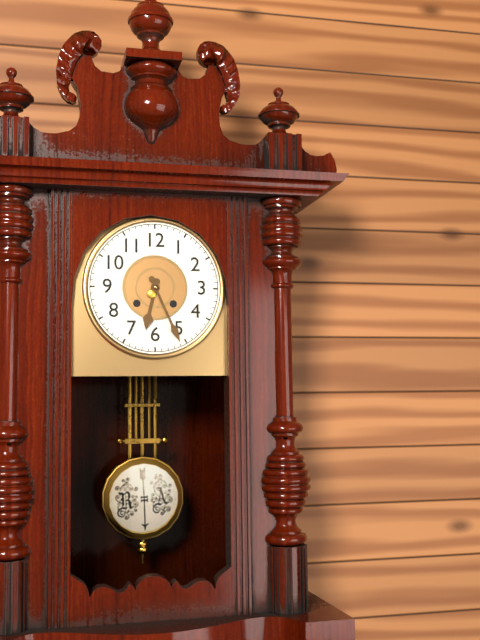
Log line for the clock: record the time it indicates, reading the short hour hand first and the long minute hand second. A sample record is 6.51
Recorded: 6.26
